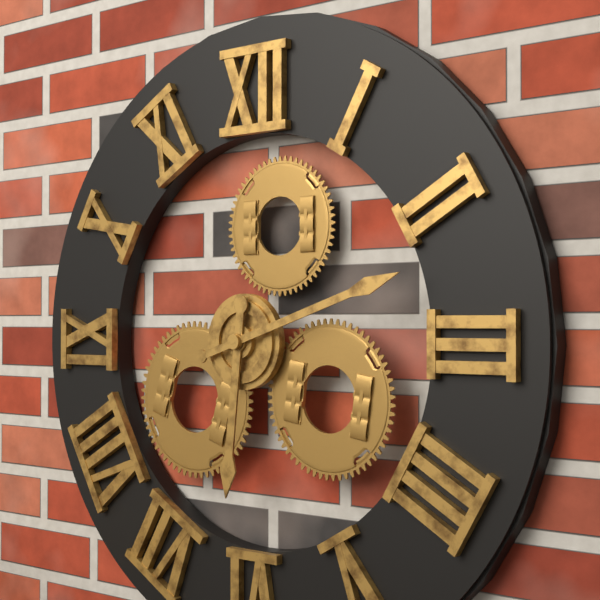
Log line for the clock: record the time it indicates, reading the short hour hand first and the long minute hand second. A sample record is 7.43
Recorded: 6.12
